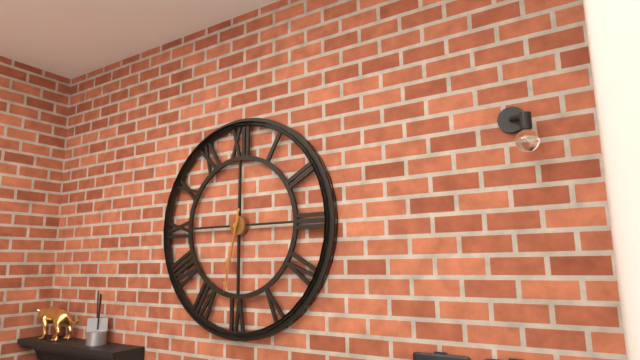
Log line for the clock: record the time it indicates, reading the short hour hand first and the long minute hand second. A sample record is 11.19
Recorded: 6.32
